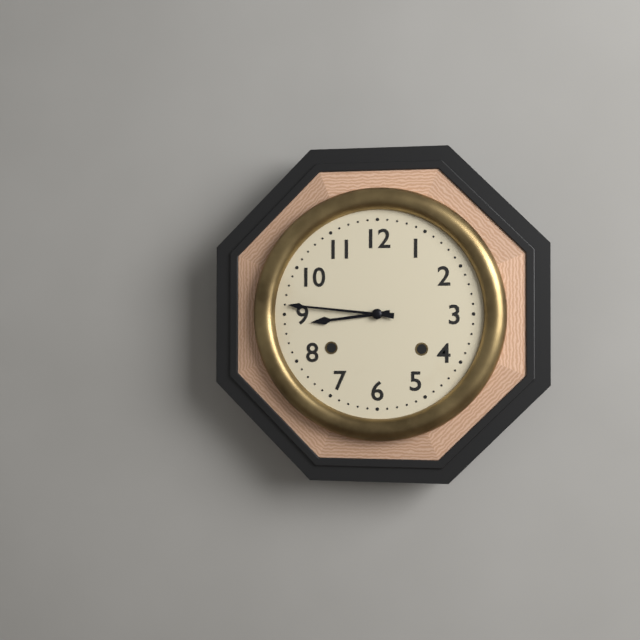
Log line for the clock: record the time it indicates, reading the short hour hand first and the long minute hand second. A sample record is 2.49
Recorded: 8.46
